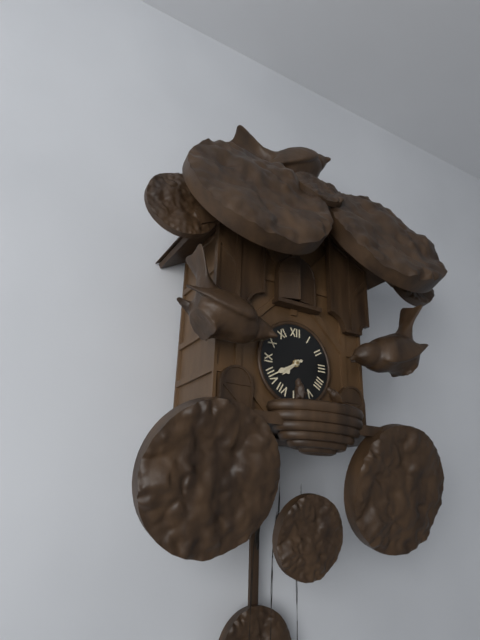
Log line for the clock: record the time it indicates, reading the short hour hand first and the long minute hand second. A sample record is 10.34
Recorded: 7.40
